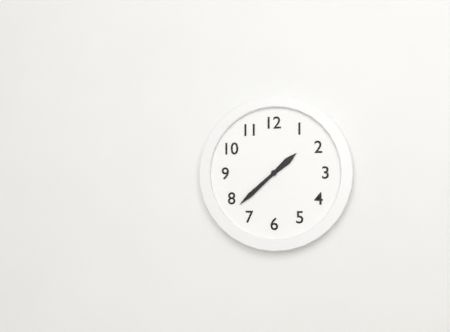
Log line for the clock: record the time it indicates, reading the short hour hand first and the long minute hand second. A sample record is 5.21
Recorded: 1.38
